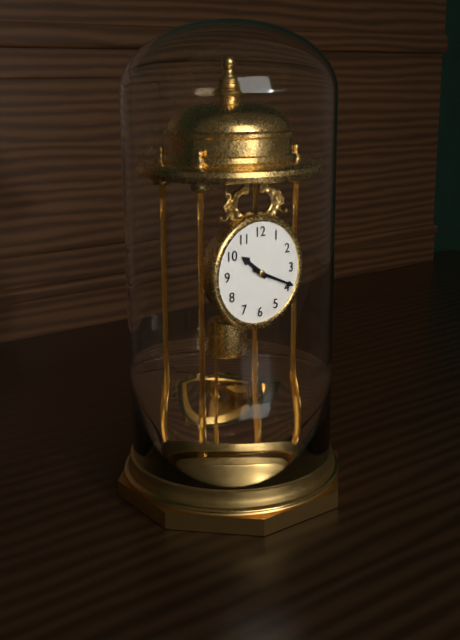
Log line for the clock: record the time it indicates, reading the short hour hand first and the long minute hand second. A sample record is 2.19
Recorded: 10.19
